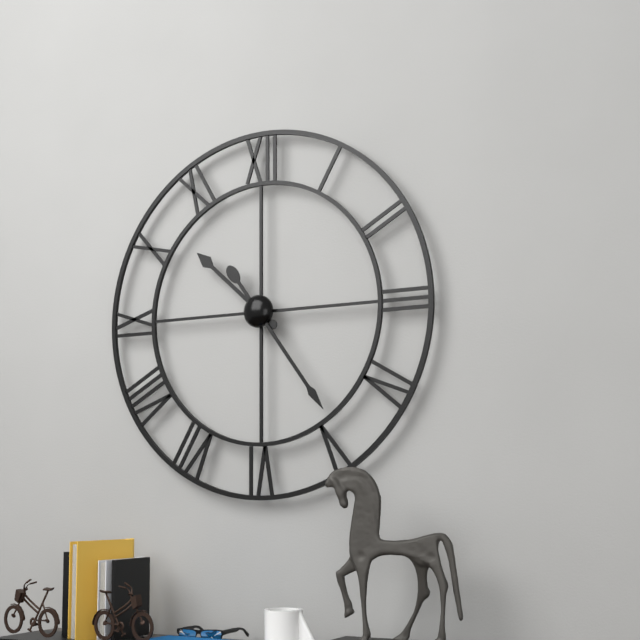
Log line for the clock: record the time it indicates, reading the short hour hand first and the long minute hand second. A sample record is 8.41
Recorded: 10.24
